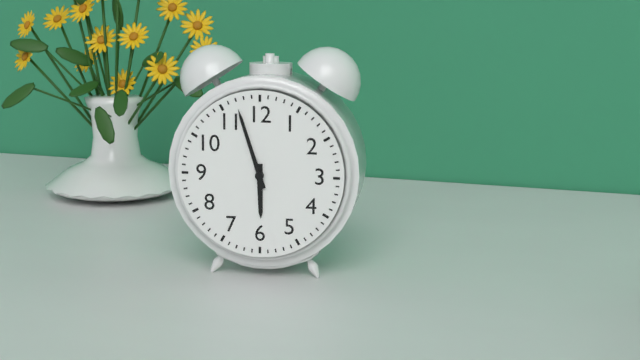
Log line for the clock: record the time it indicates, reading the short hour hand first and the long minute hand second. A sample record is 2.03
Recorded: 5.57
